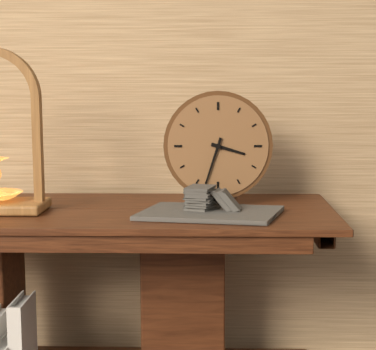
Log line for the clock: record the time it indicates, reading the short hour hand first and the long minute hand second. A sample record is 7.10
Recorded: 3.33
